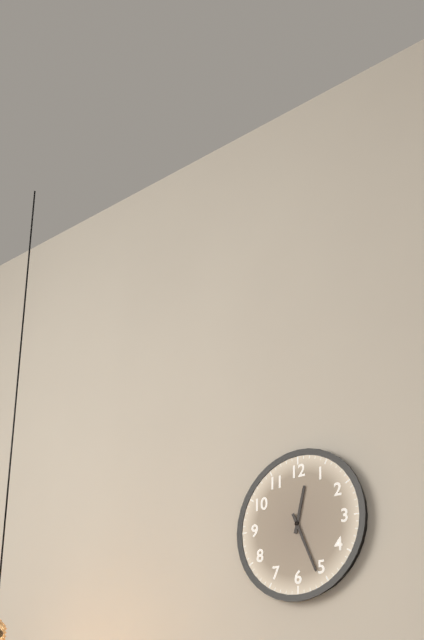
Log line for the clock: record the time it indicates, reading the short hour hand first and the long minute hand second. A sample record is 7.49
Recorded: 12.26
